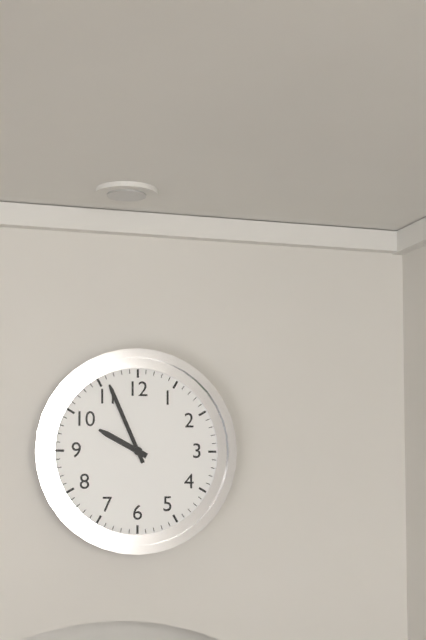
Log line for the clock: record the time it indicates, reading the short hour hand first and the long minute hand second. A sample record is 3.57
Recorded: 9.56
